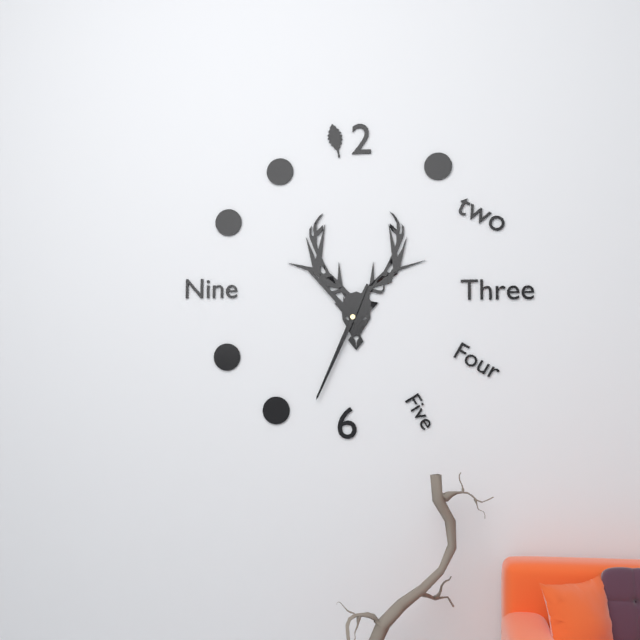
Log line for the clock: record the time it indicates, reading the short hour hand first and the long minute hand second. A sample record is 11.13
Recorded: 10.34
